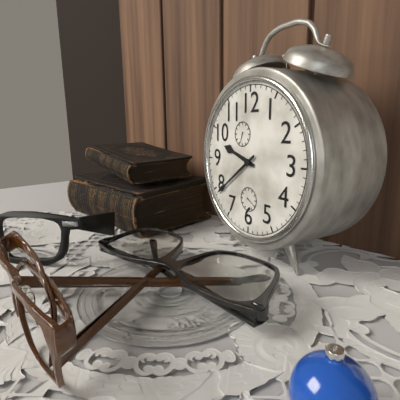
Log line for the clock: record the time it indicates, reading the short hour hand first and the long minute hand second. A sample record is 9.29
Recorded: 9.39
